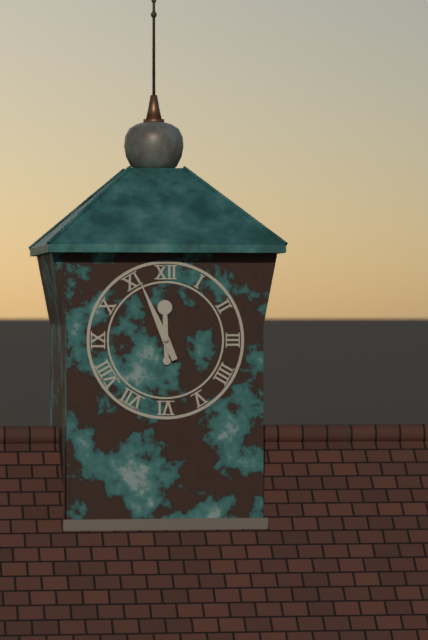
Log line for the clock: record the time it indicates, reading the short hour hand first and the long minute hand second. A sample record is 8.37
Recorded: 11.56
